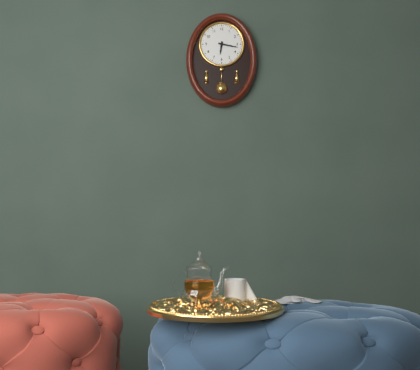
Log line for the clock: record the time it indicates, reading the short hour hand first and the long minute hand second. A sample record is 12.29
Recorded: 6.17
